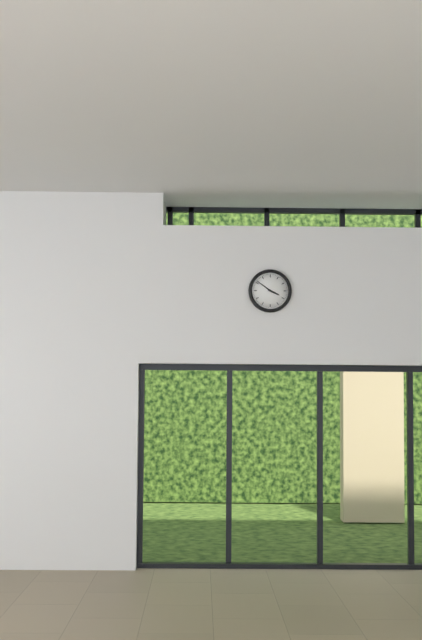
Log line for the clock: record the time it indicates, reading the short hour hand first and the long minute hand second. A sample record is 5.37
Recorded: 3.51
